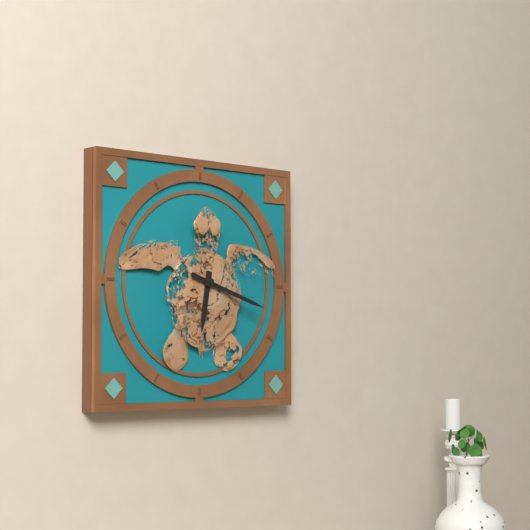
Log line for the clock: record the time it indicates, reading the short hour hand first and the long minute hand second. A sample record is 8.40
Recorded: 6.18
